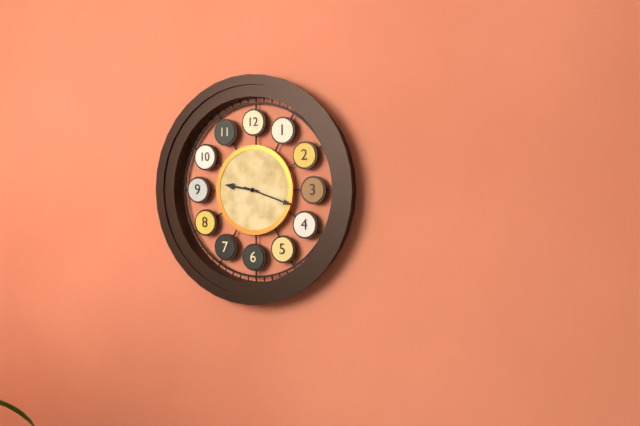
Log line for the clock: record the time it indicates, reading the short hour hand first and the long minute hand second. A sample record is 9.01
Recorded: 9.18
